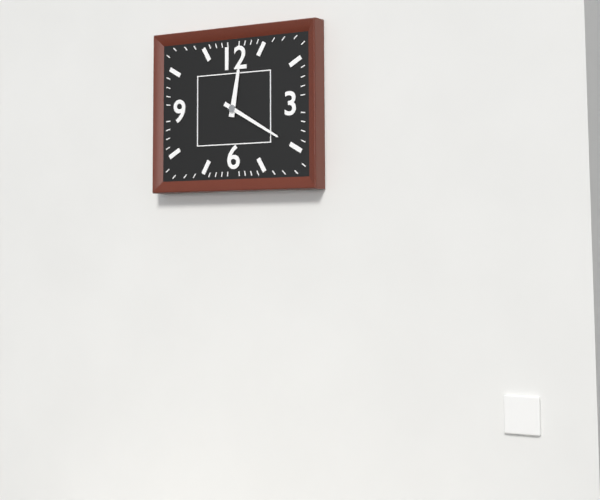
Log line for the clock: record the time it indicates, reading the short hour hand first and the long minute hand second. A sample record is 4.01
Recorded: 12.20
